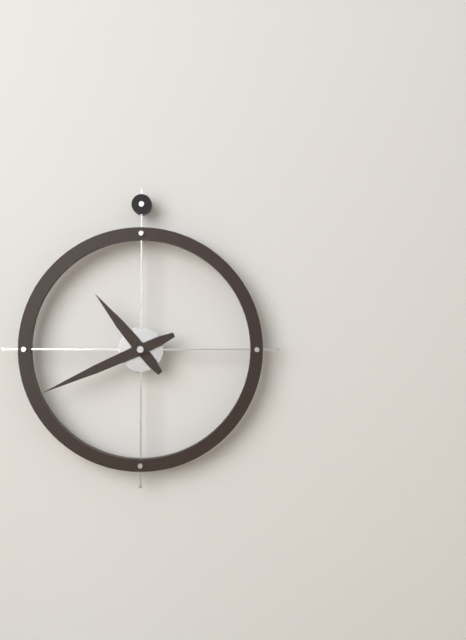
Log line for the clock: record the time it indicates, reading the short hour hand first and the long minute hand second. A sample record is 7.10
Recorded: 10.41
